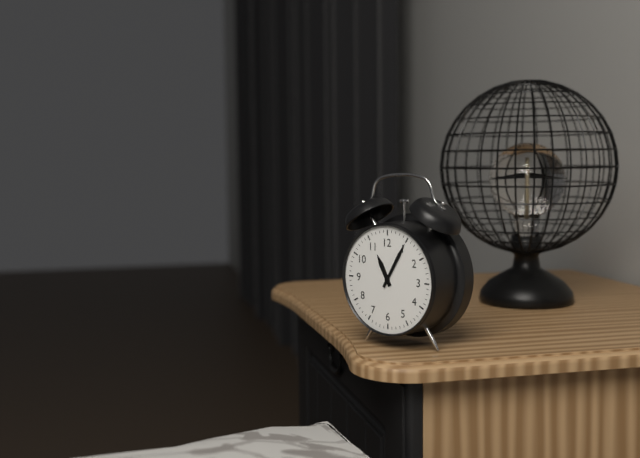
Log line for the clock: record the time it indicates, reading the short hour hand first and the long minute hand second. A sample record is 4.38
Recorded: 11.05
